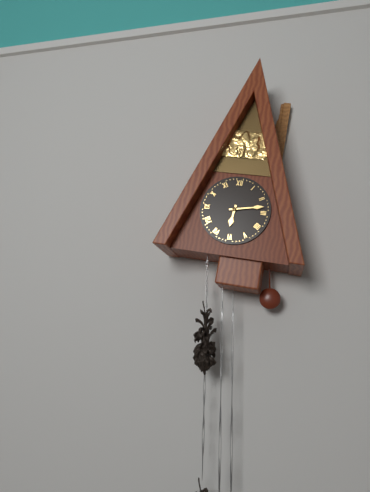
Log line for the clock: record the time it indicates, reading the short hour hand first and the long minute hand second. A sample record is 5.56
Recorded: 6.13
